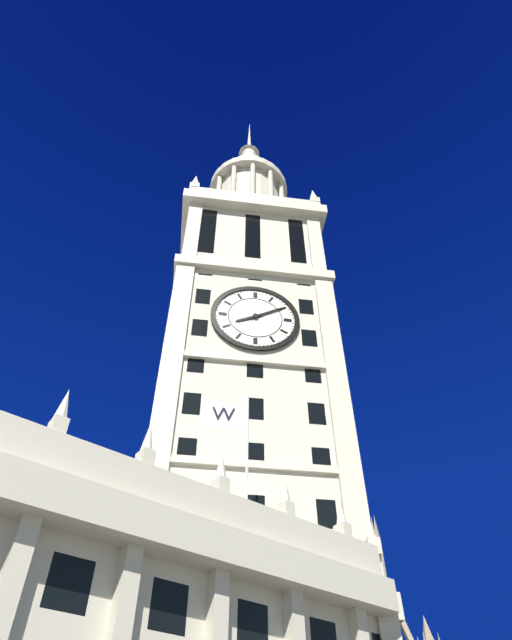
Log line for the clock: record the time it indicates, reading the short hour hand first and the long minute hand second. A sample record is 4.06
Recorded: 8.10
